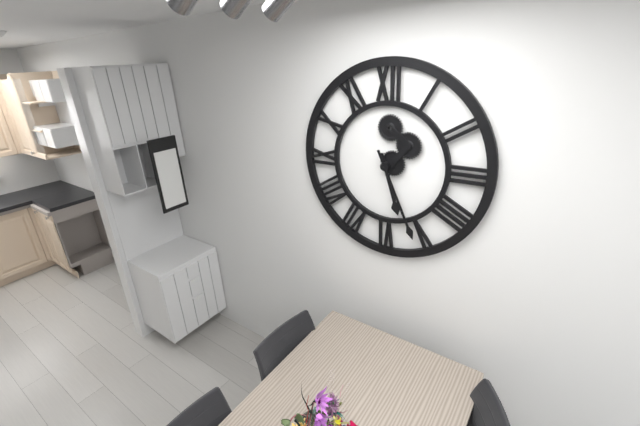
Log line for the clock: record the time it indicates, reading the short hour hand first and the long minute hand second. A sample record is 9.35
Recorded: 5.26
